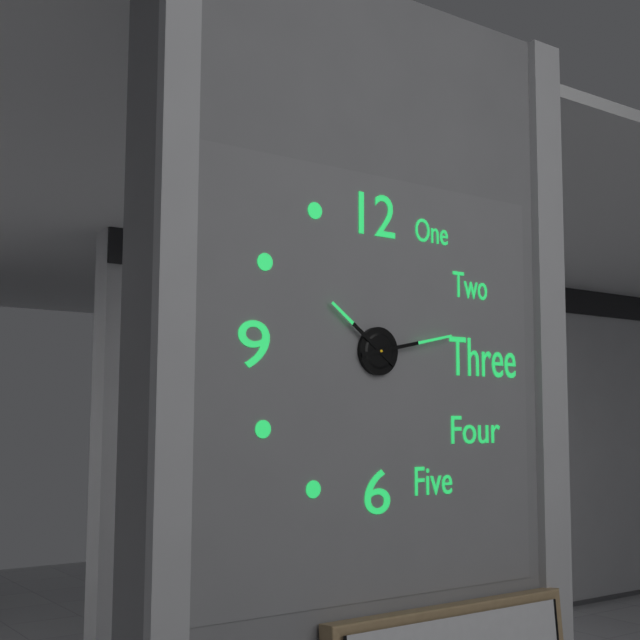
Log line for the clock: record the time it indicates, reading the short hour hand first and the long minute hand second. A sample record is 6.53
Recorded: 10.13
